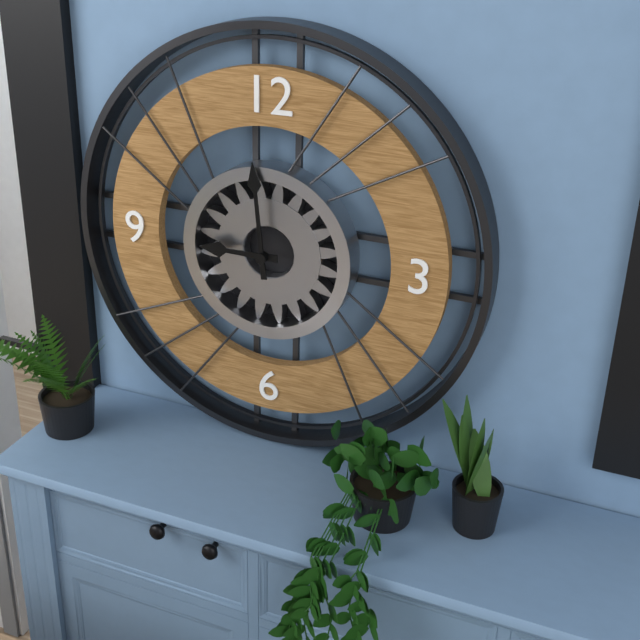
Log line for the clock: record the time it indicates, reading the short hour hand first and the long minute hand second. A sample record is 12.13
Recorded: 8.59
